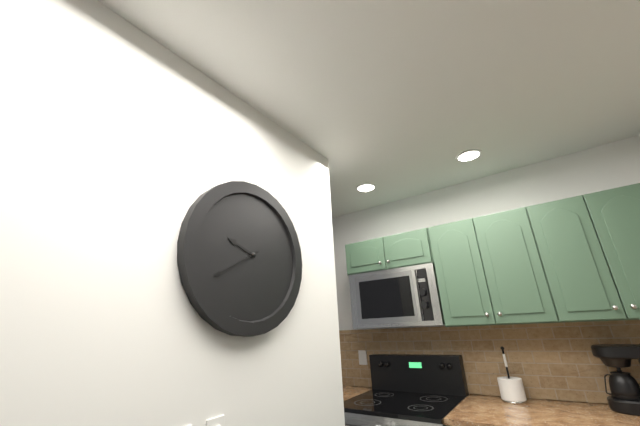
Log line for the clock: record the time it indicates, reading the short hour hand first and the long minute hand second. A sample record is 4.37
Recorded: 9.40
